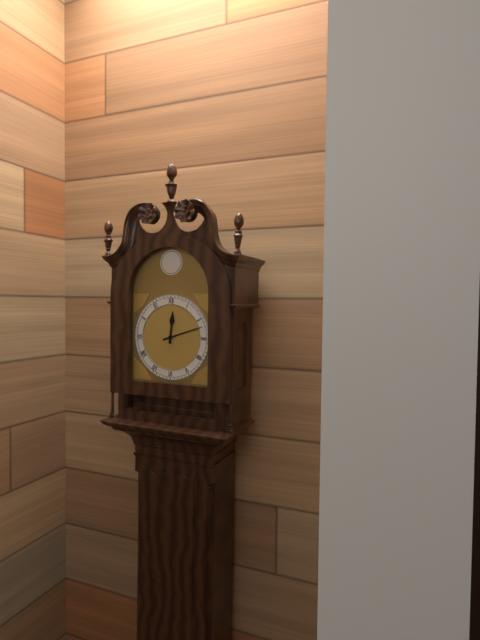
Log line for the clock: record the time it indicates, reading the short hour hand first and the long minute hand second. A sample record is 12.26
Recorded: 12.12
